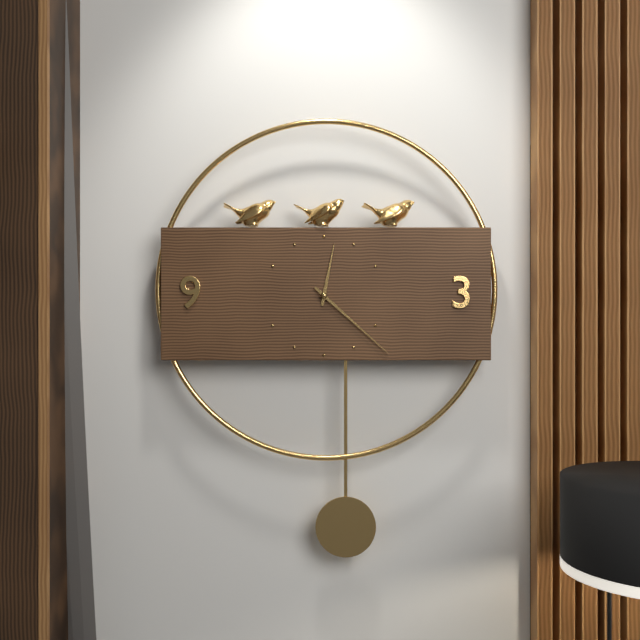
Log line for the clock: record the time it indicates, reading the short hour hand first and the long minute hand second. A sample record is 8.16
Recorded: 12.22
